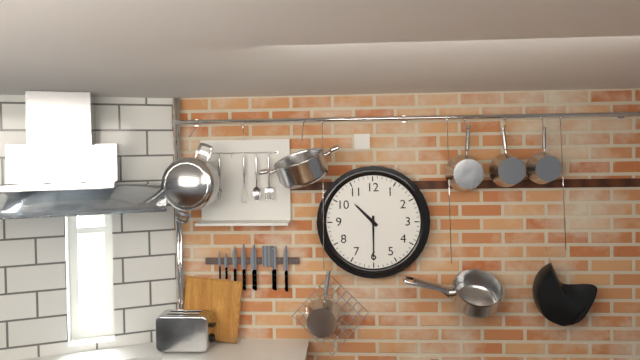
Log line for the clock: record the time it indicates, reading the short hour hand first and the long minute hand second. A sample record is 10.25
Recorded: 10.30
